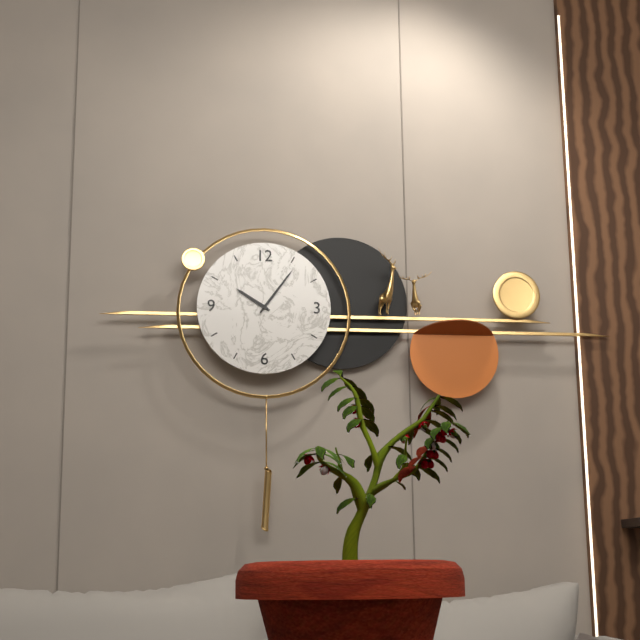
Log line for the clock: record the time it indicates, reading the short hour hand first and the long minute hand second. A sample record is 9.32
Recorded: 10.06
